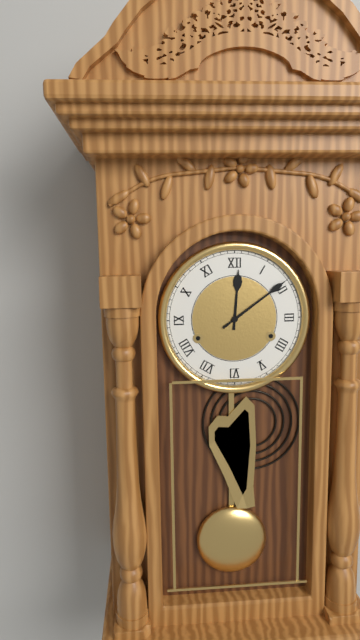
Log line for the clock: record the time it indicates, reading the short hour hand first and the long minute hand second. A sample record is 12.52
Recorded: 12.09
